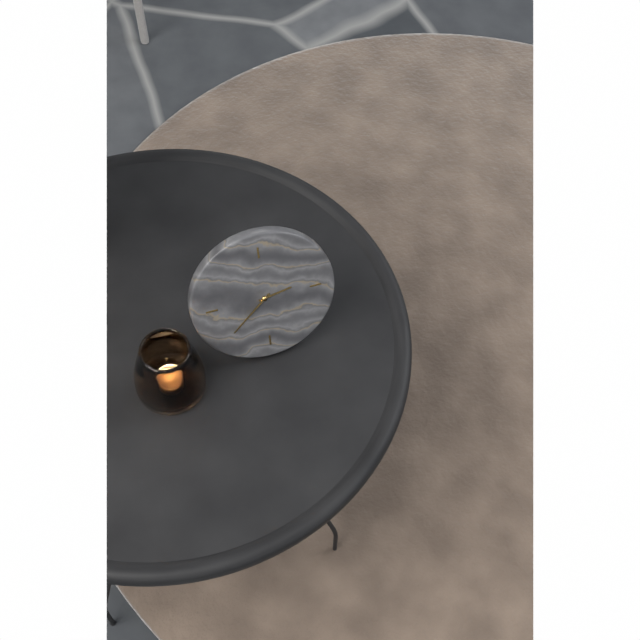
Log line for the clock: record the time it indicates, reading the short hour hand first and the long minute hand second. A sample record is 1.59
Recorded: 2.38
